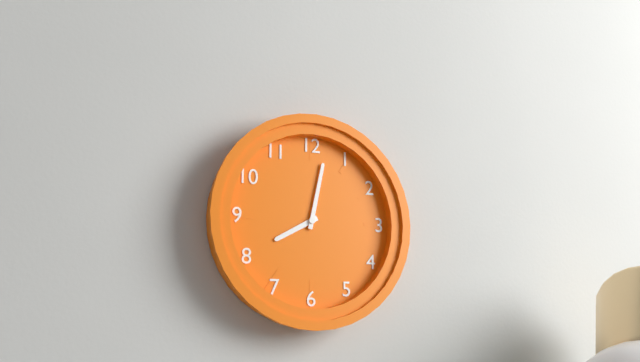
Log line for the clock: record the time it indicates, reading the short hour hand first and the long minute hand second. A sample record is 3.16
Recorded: 8.02
